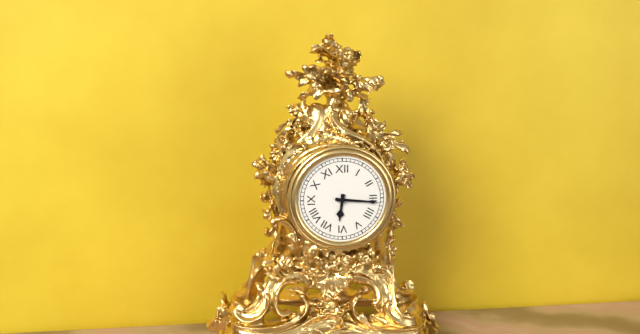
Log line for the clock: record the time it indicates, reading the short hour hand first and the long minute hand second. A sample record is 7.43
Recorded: 6.16
